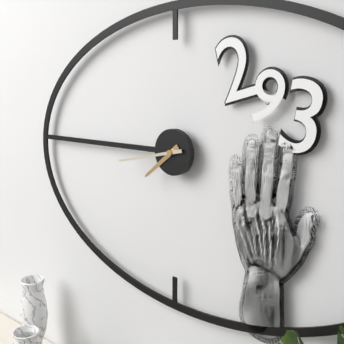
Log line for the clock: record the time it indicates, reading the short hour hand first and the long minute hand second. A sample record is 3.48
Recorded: 7.43
